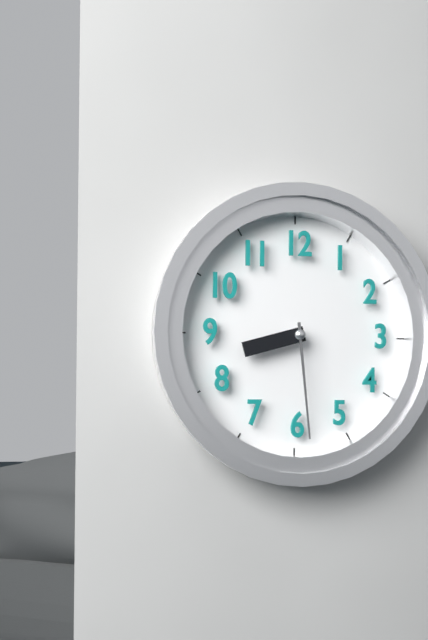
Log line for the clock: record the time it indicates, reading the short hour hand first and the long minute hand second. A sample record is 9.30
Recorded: 8.29
